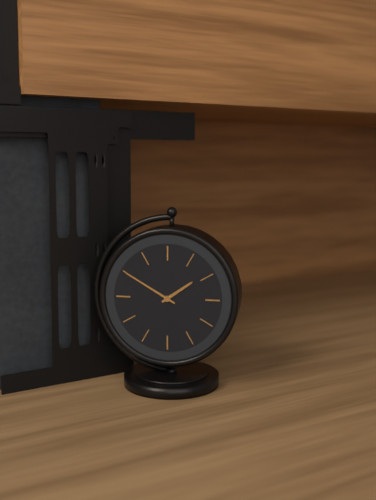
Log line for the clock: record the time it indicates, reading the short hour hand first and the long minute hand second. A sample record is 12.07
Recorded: 1.50
